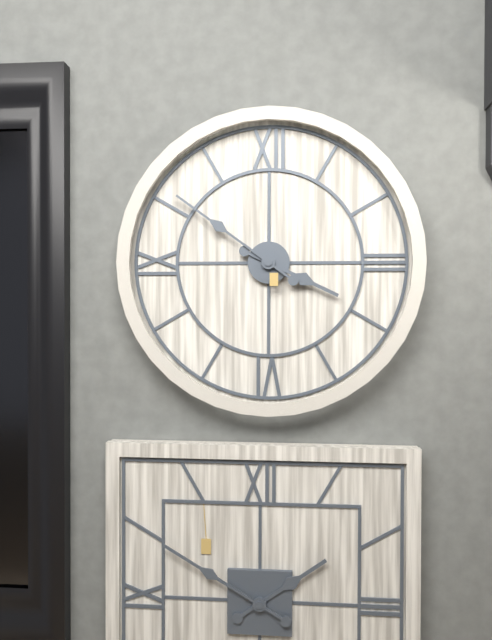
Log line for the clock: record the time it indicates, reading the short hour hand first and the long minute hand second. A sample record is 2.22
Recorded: 3.51
